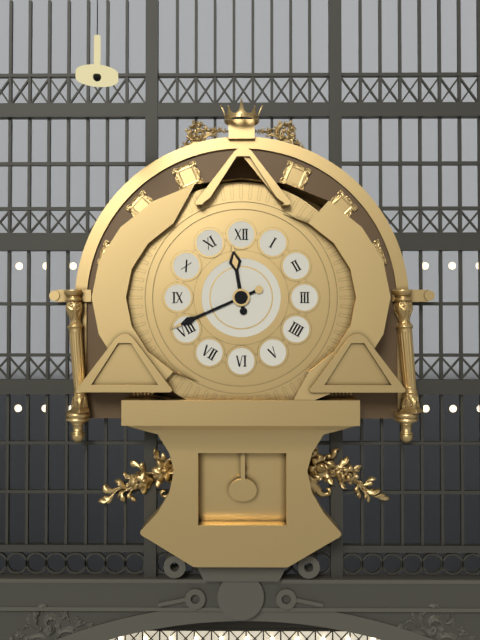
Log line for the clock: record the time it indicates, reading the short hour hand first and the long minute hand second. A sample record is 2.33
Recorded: 11.41
